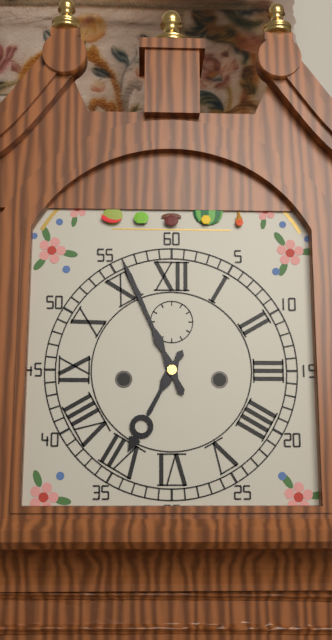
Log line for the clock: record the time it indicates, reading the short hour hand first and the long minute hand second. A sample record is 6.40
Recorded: 6.56
